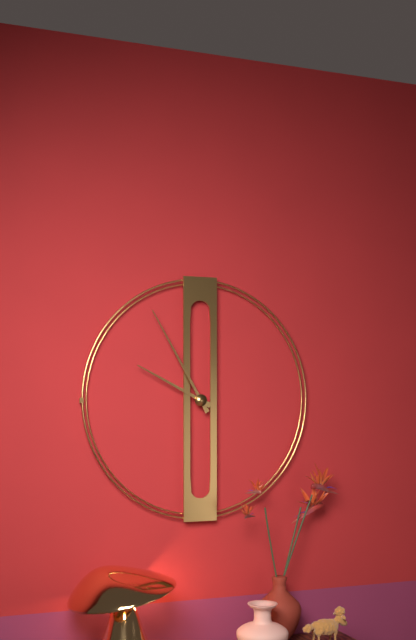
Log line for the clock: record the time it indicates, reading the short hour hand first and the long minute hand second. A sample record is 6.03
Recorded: 9.55
